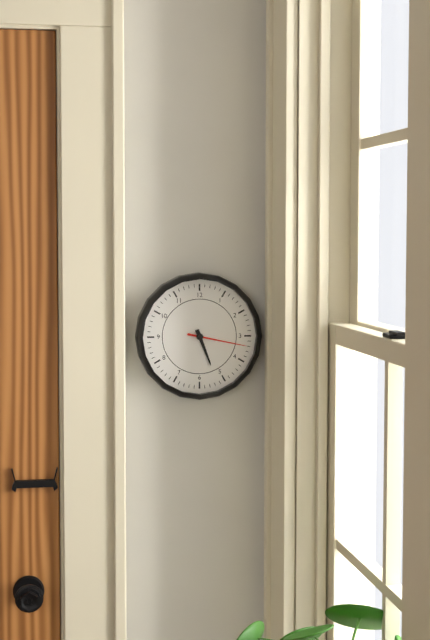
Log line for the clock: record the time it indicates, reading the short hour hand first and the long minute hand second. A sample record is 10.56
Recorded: 5.17
